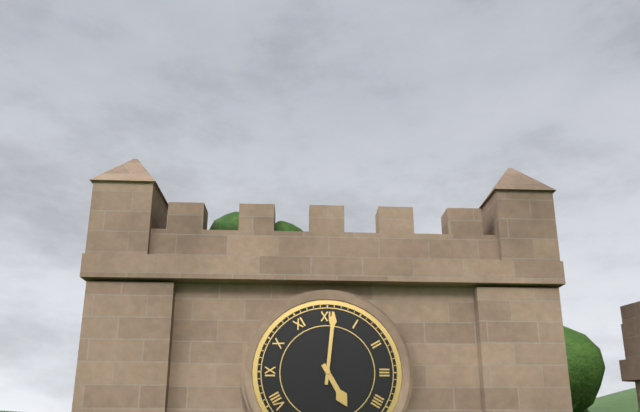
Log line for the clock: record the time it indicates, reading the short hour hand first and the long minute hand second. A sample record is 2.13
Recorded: 5.01
